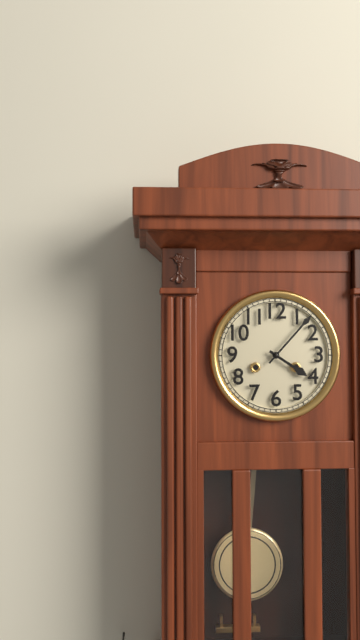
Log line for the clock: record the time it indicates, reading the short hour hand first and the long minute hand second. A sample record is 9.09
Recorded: 4.07
